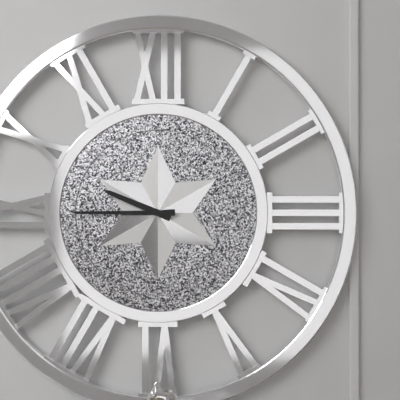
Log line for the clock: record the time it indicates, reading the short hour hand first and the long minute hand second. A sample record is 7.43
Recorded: 9.45
